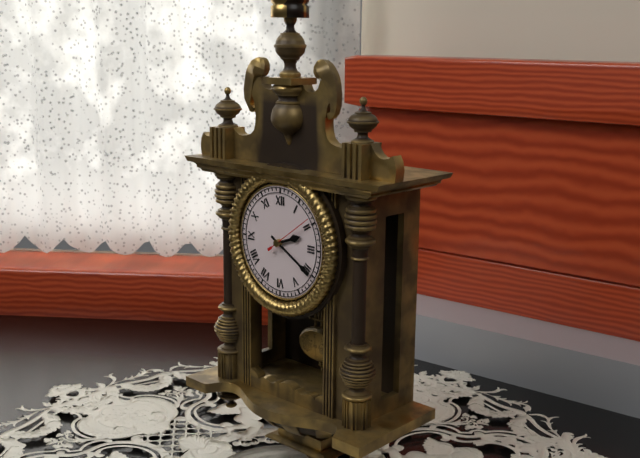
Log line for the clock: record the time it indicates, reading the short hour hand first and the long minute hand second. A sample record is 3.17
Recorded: 2.20
